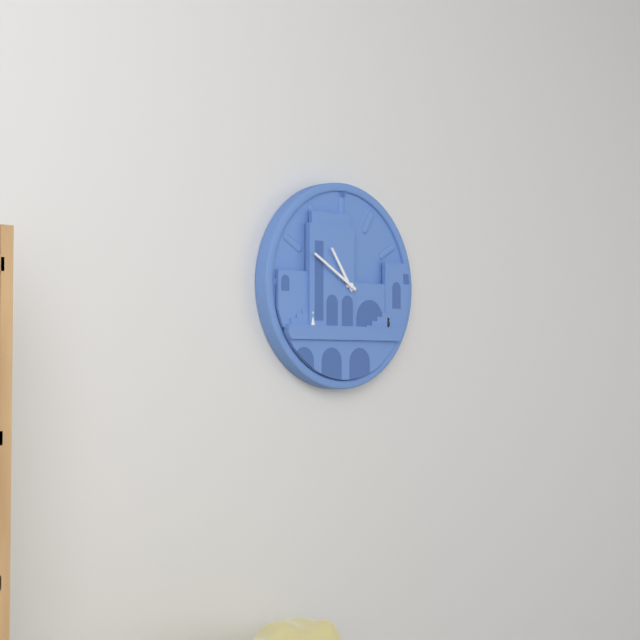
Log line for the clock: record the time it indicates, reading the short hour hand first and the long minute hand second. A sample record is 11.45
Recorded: 10.50
